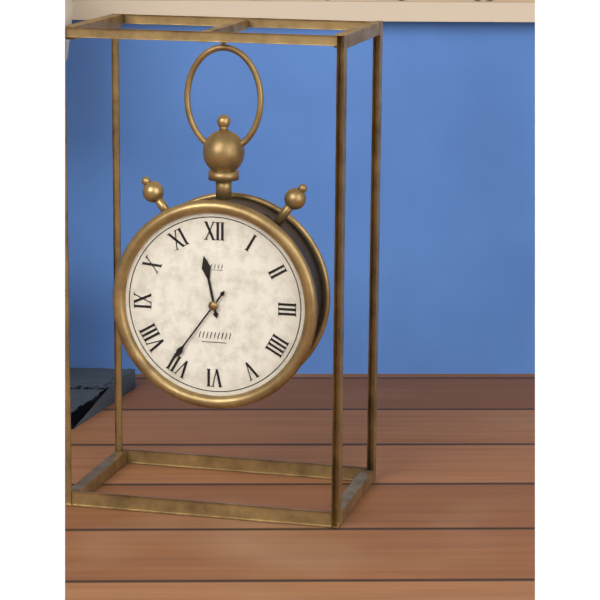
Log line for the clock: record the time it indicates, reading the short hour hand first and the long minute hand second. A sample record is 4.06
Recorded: 11.36
